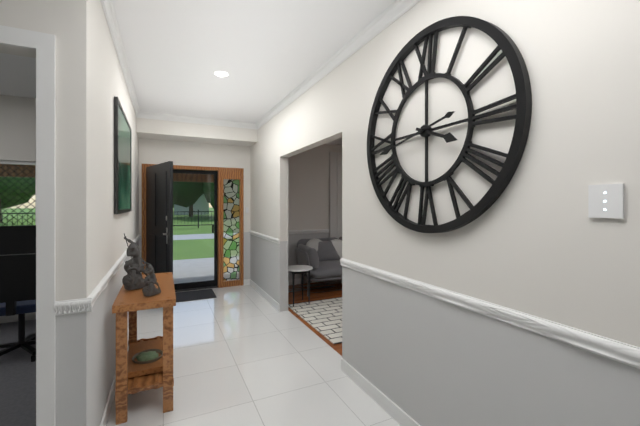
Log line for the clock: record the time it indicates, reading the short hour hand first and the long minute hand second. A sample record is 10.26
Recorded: 3.43
